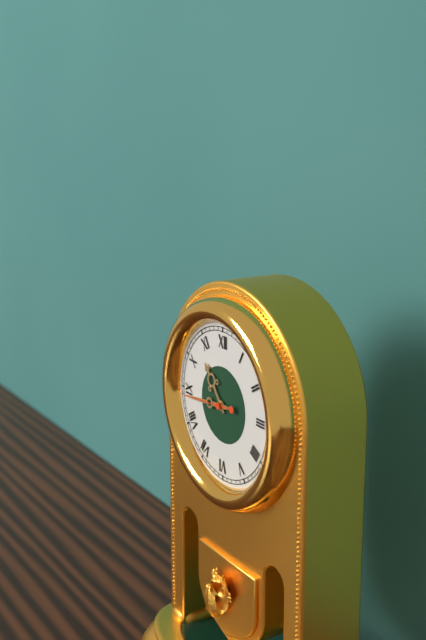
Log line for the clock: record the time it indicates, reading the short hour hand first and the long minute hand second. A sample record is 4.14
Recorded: 10.44
